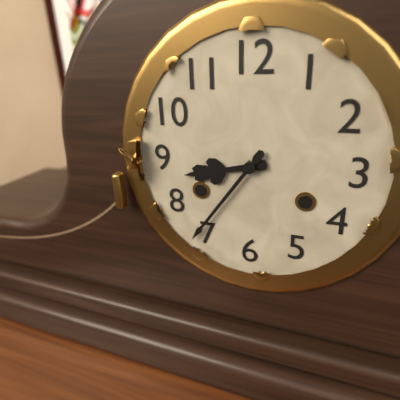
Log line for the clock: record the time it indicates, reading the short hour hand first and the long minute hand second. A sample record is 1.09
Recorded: 8.36
